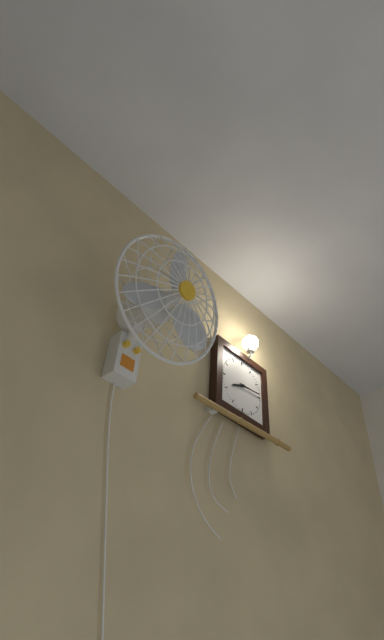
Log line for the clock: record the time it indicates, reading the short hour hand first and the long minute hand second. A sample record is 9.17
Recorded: 8.14
